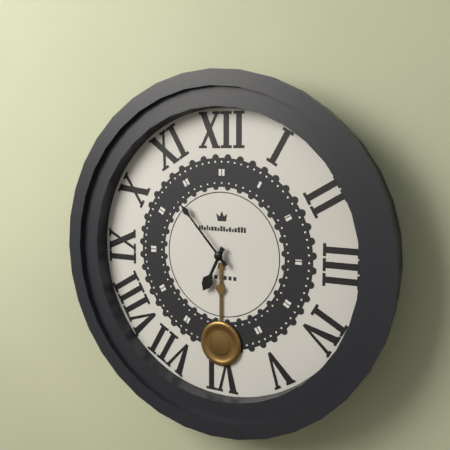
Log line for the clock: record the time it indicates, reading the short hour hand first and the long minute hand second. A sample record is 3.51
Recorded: 6.53
